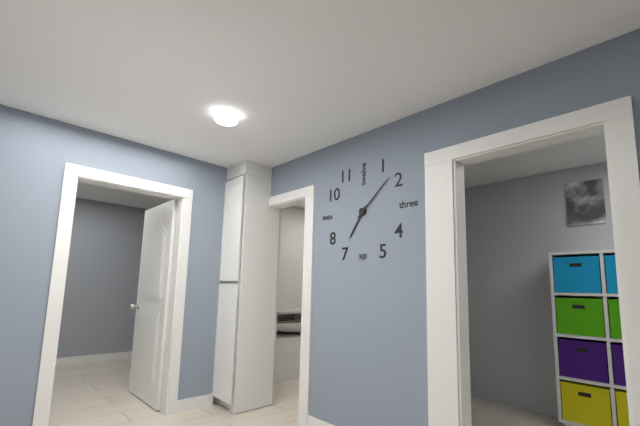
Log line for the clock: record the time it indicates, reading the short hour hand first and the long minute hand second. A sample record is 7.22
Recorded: 7.08
